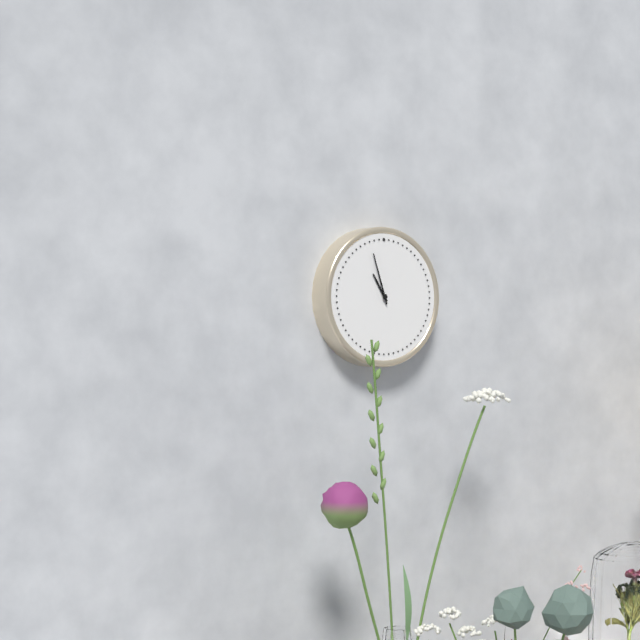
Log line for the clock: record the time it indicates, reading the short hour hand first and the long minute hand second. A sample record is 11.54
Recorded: 10.57
